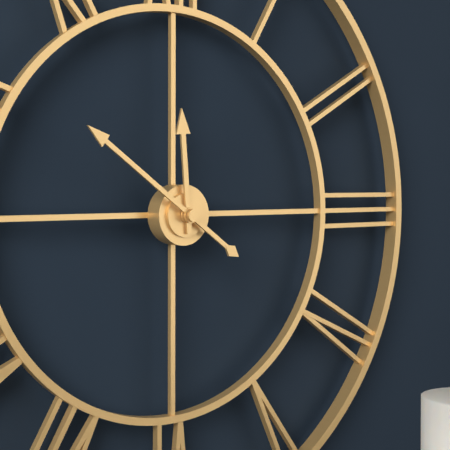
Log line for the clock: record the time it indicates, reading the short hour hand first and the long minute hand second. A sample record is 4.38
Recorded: 11.51
